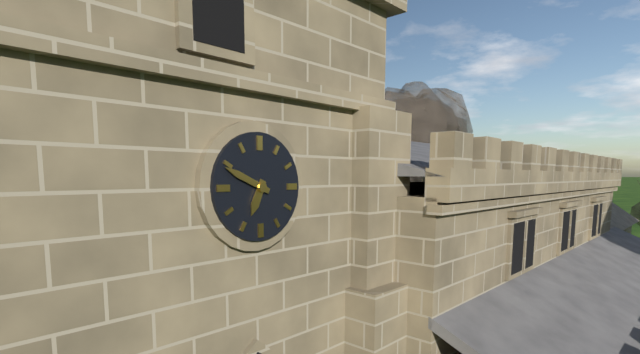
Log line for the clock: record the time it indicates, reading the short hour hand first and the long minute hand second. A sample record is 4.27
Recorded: 6.49
